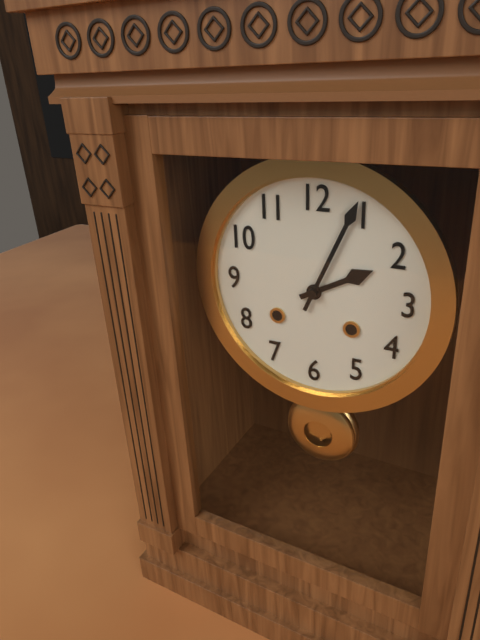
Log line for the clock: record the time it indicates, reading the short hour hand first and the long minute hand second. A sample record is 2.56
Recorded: 2.04
